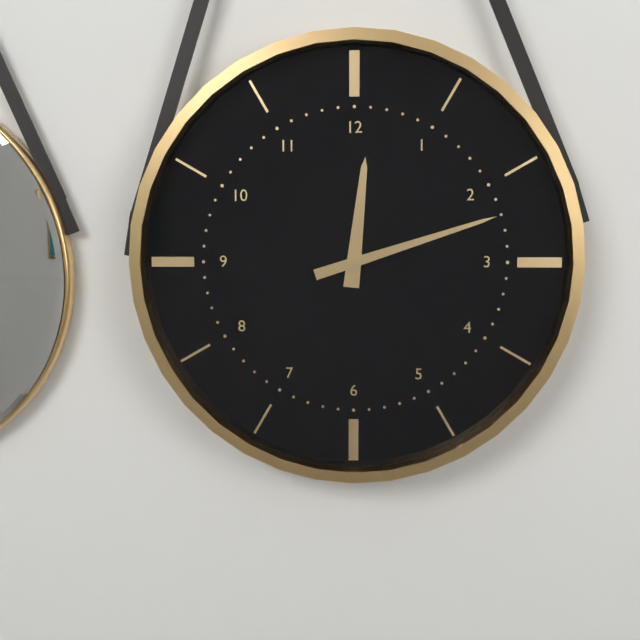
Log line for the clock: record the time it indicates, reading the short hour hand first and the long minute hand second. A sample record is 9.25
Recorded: 12.12
